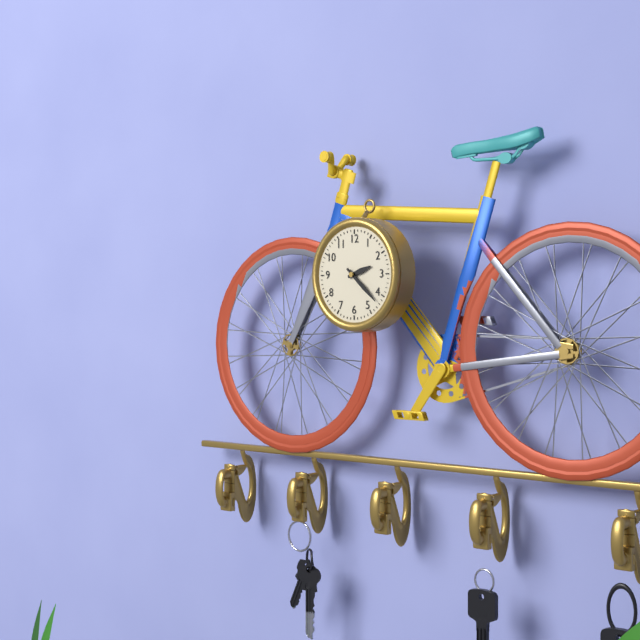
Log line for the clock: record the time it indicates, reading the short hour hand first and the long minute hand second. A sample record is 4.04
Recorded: 2.22
